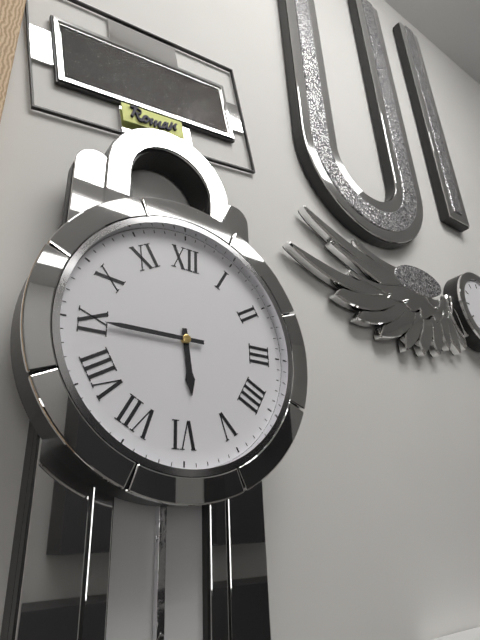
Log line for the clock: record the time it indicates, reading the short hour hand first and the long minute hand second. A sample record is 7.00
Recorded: 5.45
